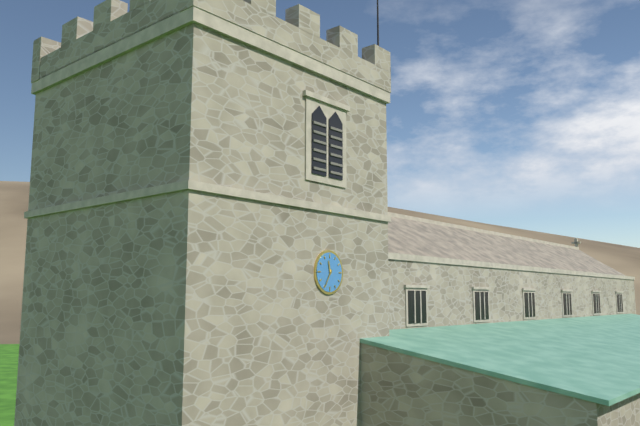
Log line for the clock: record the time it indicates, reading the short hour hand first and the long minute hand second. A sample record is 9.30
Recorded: 11.35
